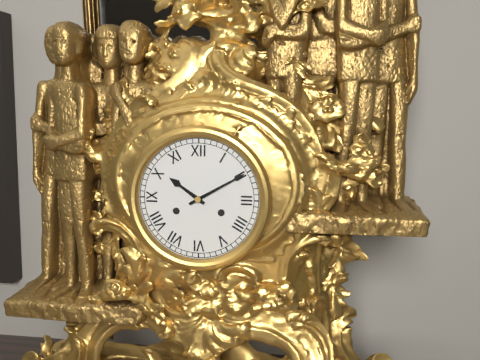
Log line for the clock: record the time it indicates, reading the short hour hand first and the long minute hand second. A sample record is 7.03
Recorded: 10.10
